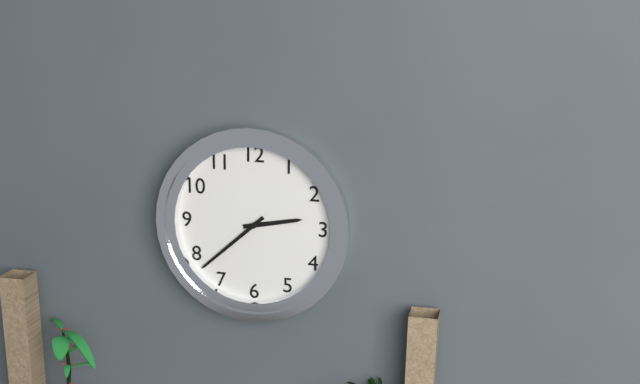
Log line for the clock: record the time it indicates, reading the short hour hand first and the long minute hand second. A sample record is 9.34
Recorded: 2.38
